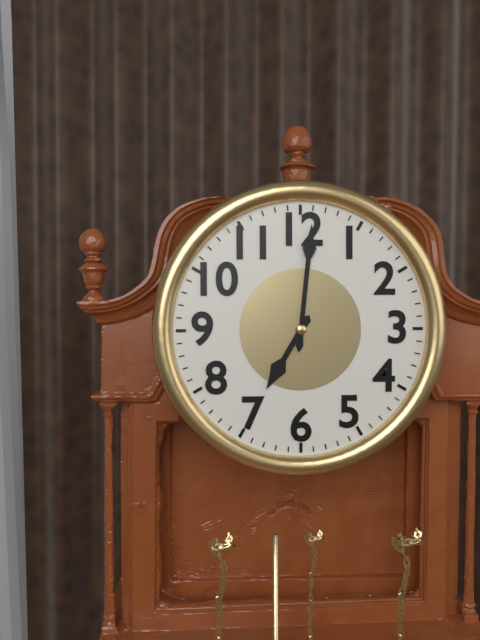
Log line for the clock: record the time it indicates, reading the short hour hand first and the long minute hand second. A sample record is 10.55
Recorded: 7.01
